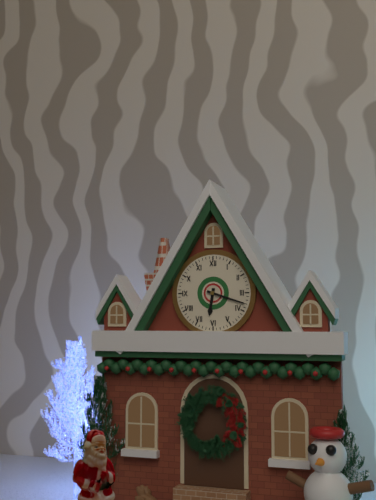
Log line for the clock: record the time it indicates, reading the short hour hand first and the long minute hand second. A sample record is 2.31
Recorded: 6.18
